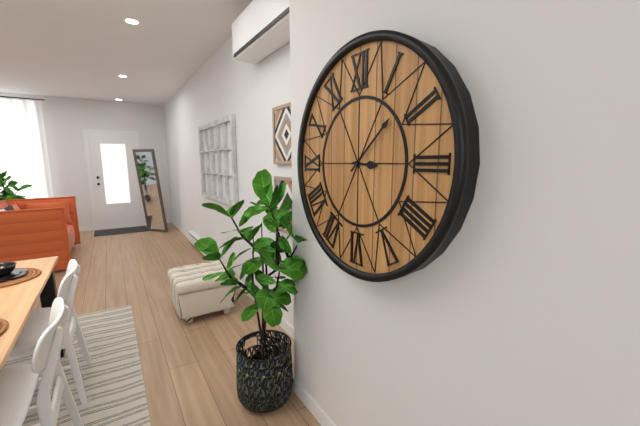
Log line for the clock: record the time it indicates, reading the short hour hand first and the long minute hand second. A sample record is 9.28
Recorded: 3.08
